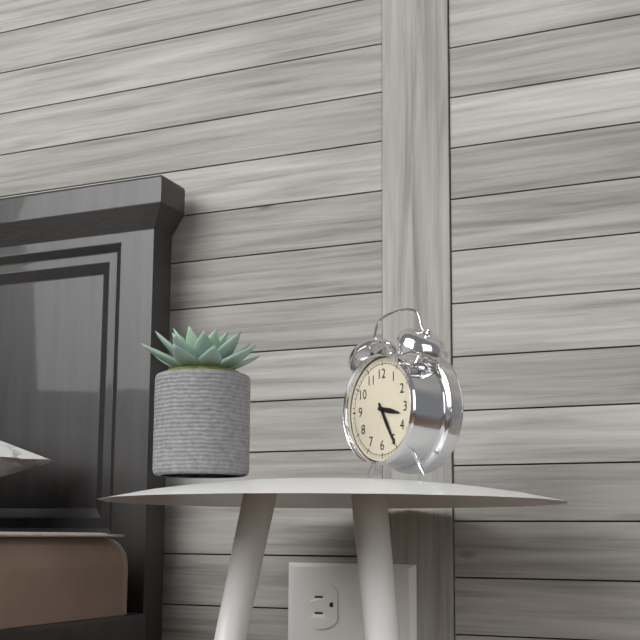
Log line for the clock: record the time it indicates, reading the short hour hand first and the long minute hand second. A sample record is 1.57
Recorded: 3.25
